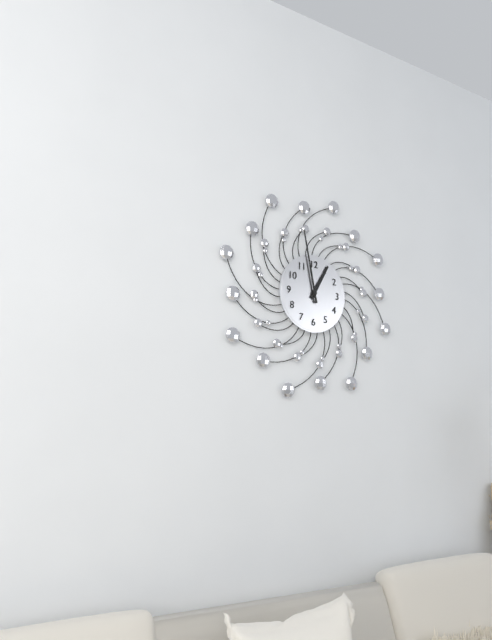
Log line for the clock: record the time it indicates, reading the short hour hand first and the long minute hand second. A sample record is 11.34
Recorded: 12.58
